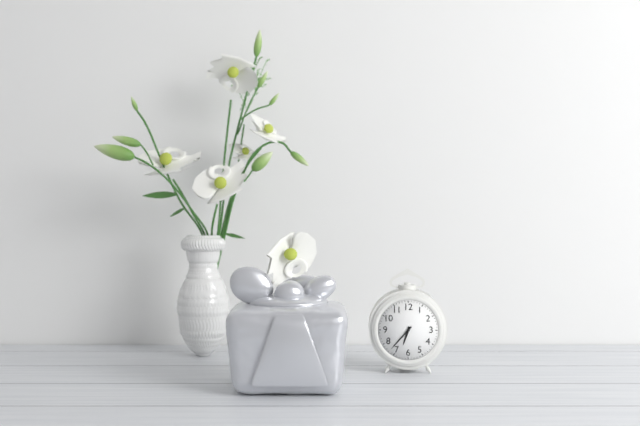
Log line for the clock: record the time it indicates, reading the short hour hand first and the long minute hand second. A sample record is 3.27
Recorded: 6.37
